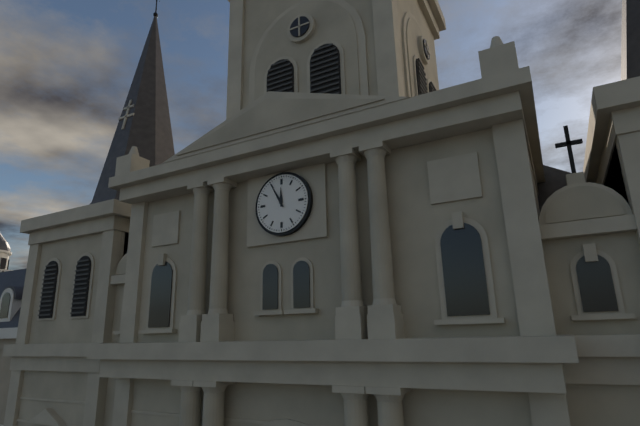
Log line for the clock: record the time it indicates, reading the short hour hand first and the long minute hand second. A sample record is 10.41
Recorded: 11.55
